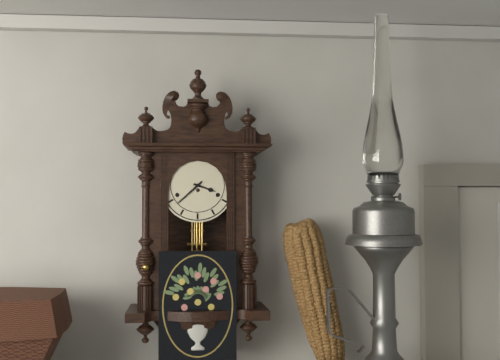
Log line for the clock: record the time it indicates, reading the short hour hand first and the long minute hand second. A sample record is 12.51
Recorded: 3.38
